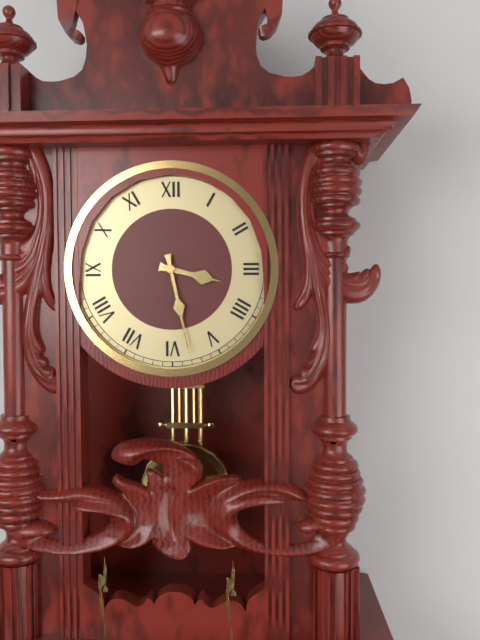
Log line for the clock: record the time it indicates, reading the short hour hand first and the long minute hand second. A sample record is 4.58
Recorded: 3.28
